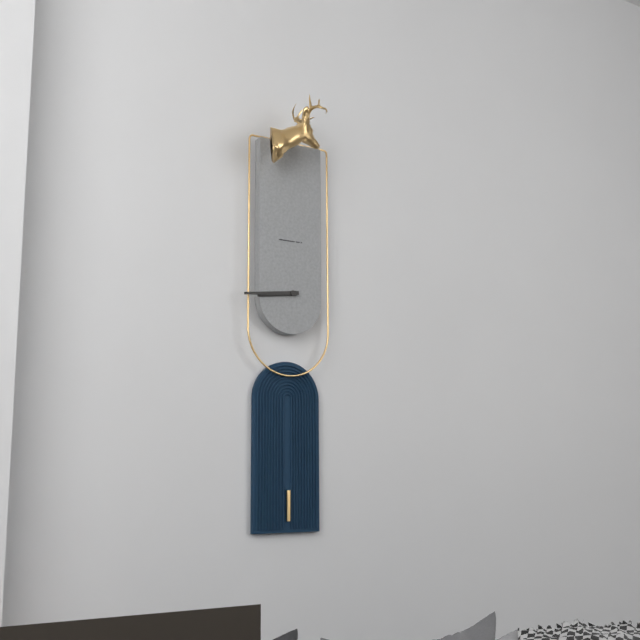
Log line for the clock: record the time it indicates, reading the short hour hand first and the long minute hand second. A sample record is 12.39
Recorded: 8.44
